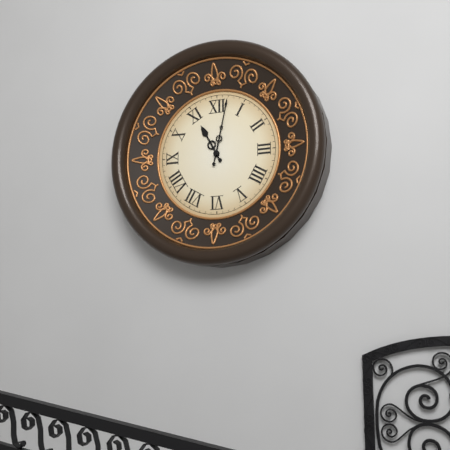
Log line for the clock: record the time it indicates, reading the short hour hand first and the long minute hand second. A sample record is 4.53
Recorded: 11.02
